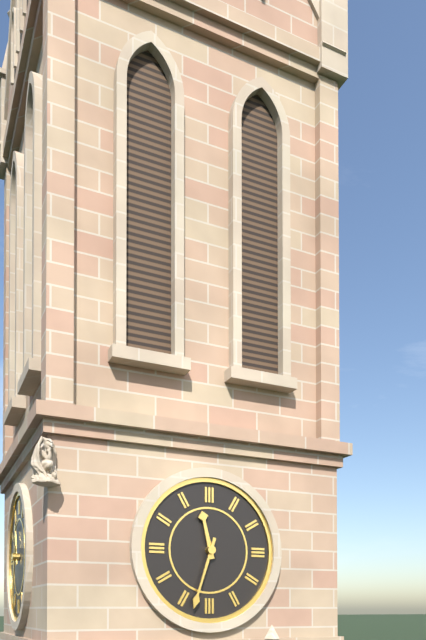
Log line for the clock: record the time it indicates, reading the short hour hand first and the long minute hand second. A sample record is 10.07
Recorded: 11.33
